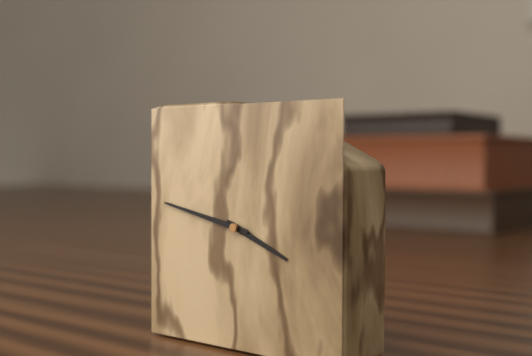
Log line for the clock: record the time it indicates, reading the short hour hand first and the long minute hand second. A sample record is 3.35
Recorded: 3.47
